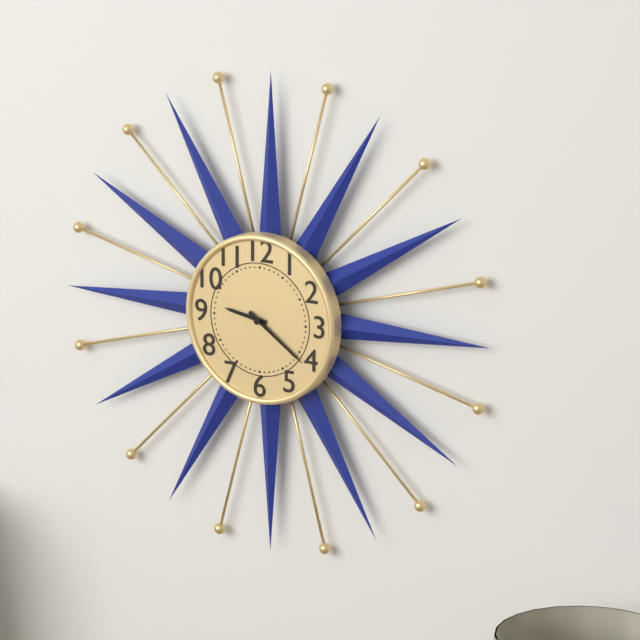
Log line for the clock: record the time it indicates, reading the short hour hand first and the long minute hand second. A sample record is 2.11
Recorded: 9.21
